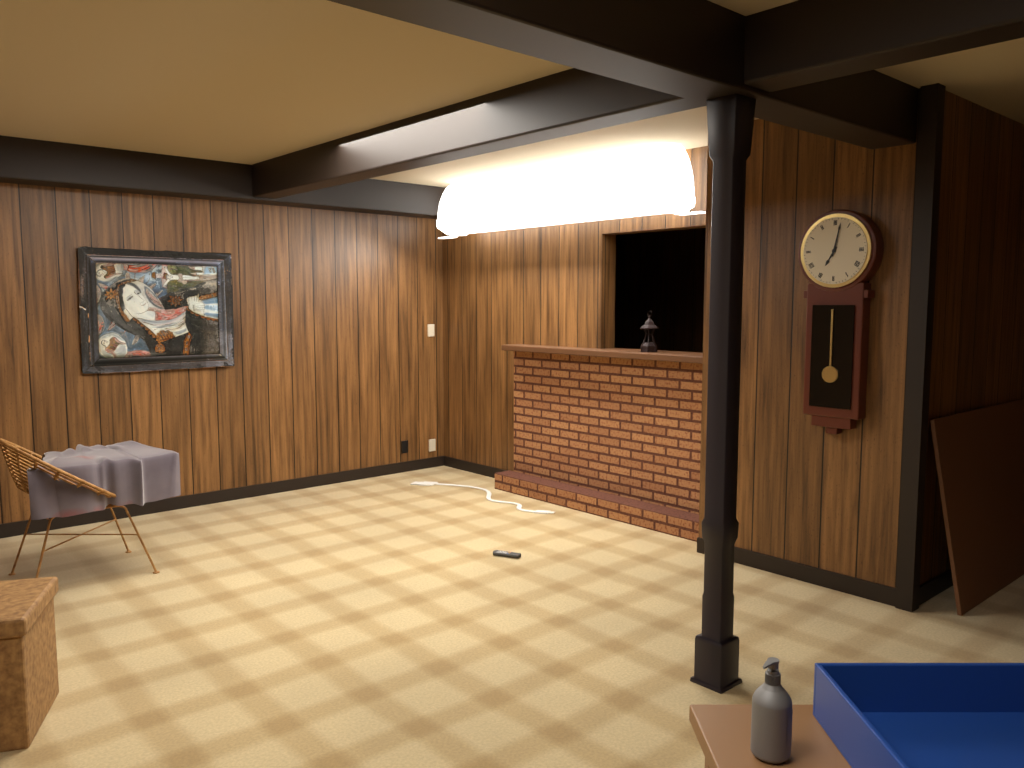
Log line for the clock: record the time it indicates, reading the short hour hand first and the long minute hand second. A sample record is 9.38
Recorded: 7.02
